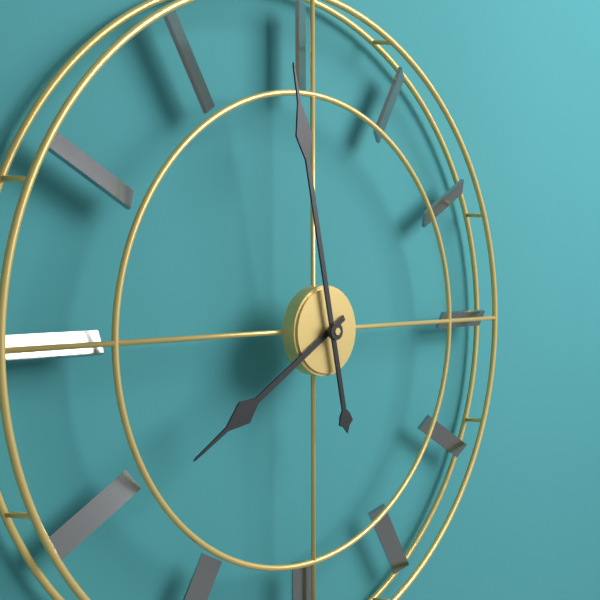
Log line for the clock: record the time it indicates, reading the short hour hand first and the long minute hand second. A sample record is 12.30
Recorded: 7.58
